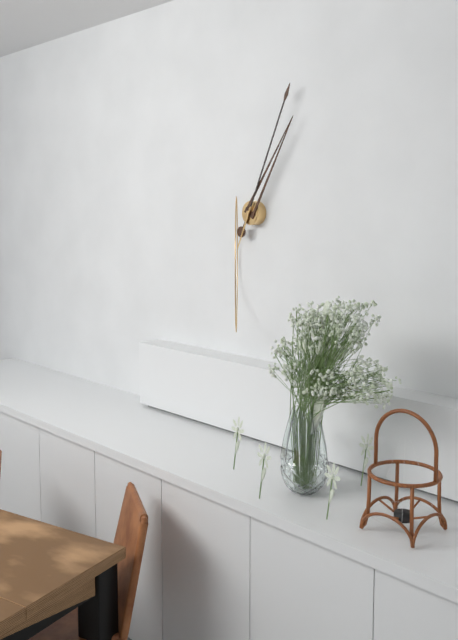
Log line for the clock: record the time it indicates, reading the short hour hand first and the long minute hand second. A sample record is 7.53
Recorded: 1.04
